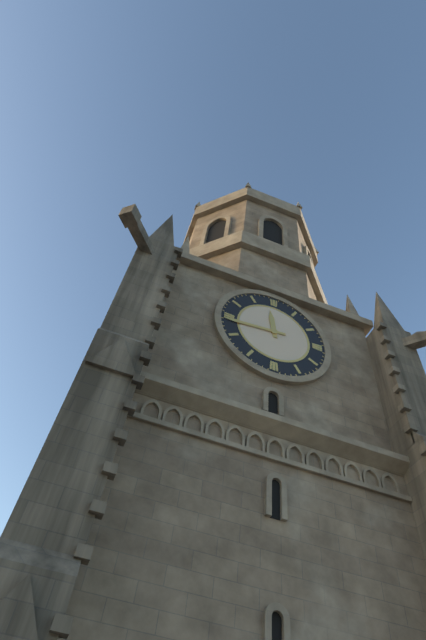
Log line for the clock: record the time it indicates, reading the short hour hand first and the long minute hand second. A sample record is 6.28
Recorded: 11.44
